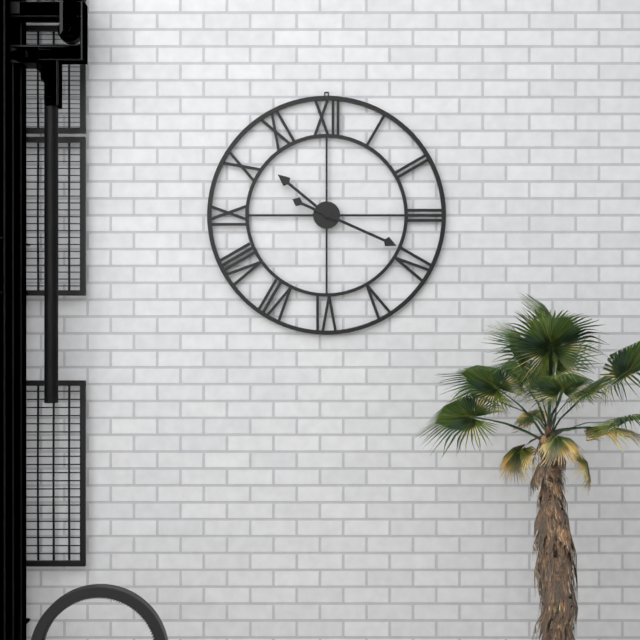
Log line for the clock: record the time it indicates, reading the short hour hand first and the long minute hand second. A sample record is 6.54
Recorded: 10.19
